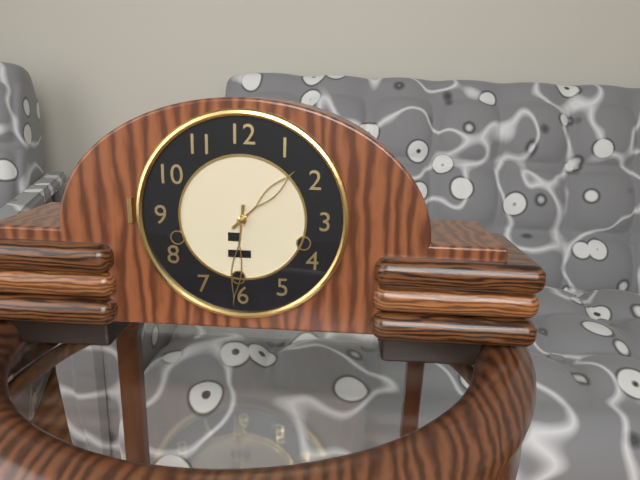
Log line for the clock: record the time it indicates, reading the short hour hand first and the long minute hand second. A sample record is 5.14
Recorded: 1.31
